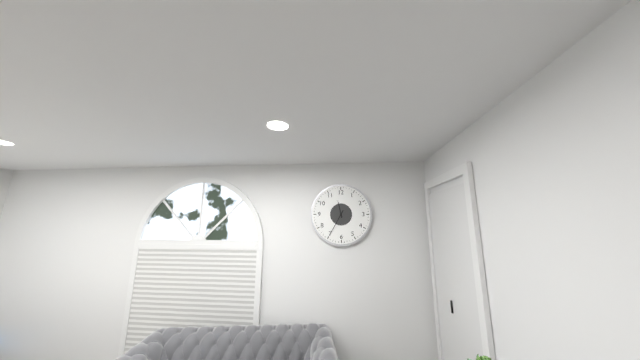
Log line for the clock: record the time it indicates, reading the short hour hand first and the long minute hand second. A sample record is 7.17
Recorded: 11.35
